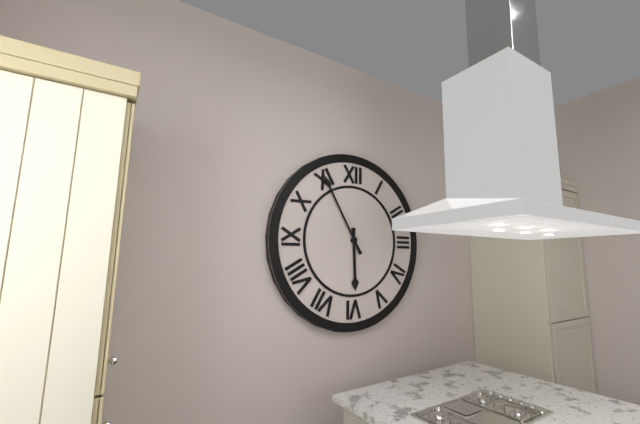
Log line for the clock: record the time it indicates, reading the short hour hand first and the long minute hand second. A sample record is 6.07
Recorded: 5.55
